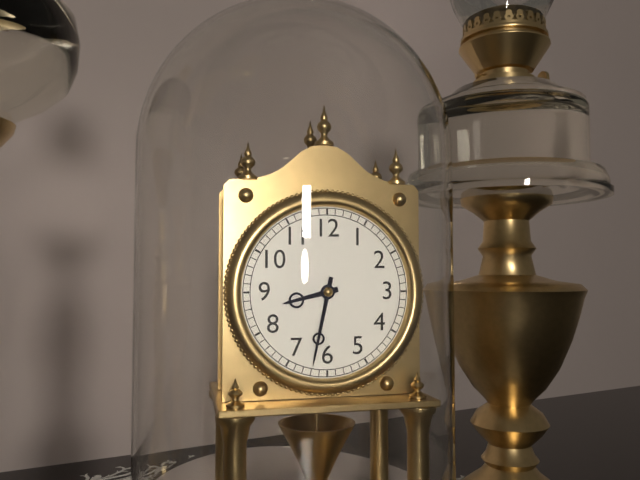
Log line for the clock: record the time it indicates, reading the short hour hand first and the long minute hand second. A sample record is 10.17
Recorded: 8.32
